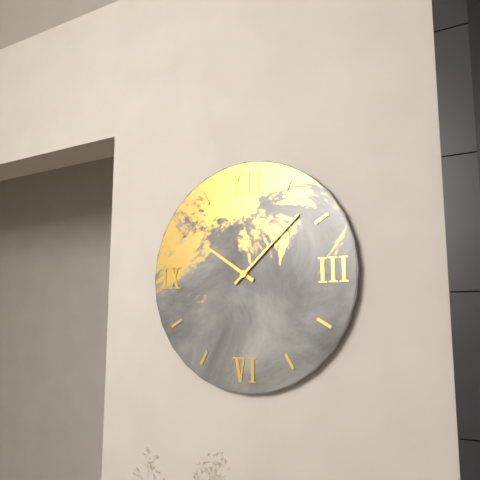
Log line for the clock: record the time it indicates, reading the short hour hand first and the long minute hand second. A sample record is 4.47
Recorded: 10.08
